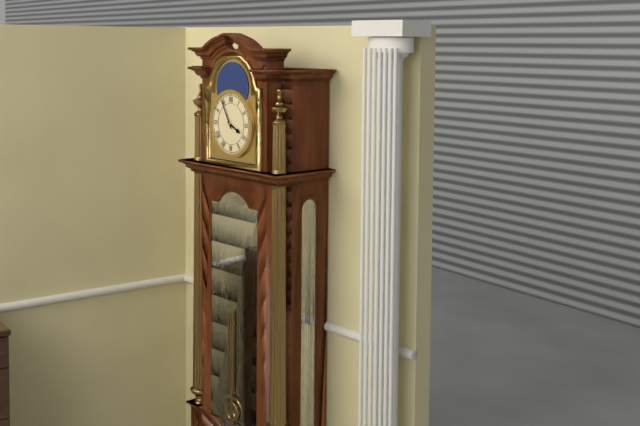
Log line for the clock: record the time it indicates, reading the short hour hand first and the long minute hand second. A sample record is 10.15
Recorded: 3.55
